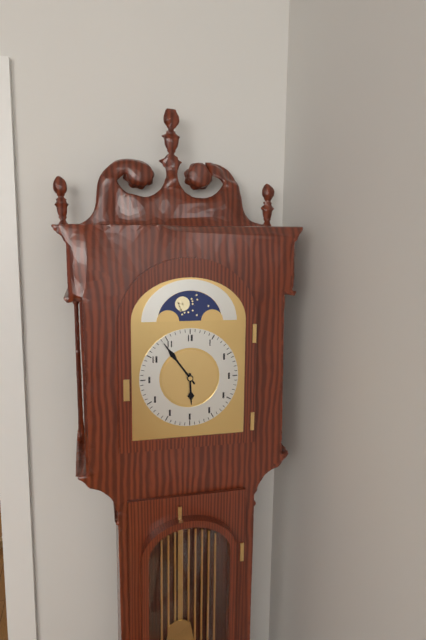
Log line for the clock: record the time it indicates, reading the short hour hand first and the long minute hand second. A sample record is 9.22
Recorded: 5.54
